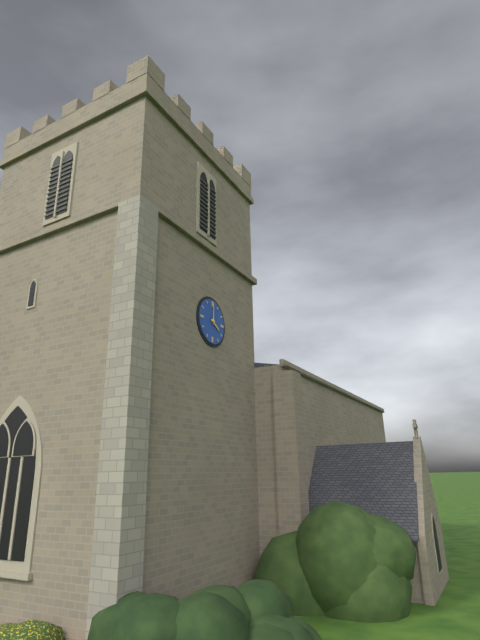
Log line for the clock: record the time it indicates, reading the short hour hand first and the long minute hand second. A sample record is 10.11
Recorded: 4.00
